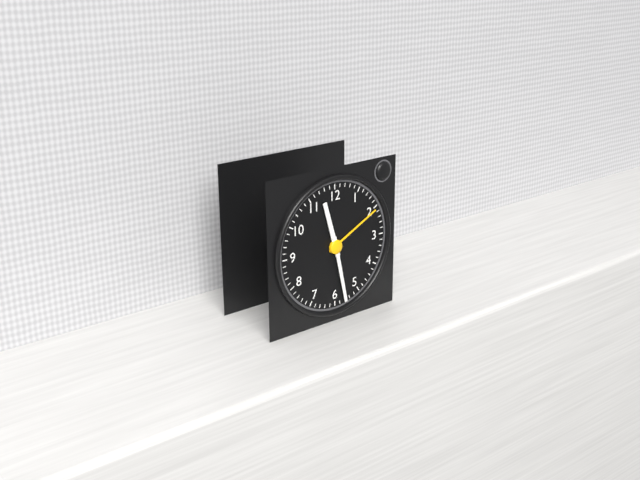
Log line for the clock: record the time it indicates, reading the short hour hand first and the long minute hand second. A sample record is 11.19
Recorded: 11.28
